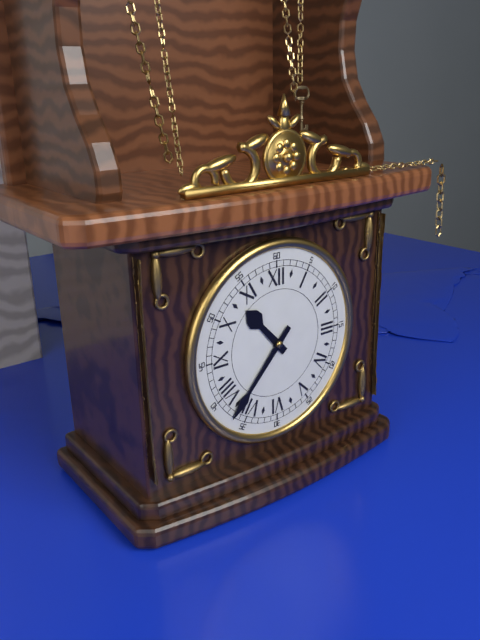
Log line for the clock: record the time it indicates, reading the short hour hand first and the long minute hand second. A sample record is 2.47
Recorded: 10.37
